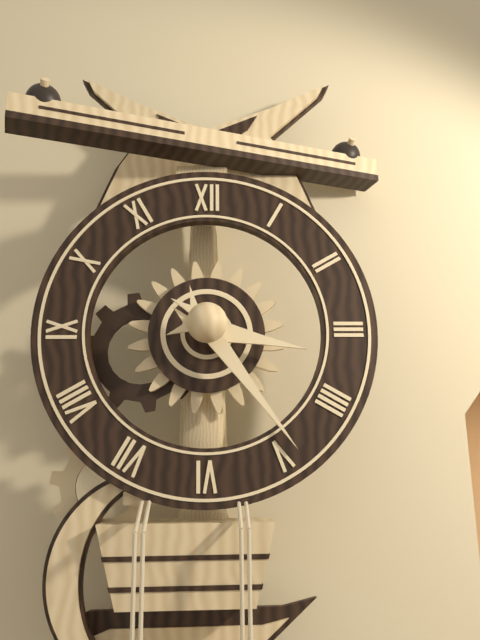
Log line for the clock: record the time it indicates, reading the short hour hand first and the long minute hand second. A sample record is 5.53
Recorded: 3.24
